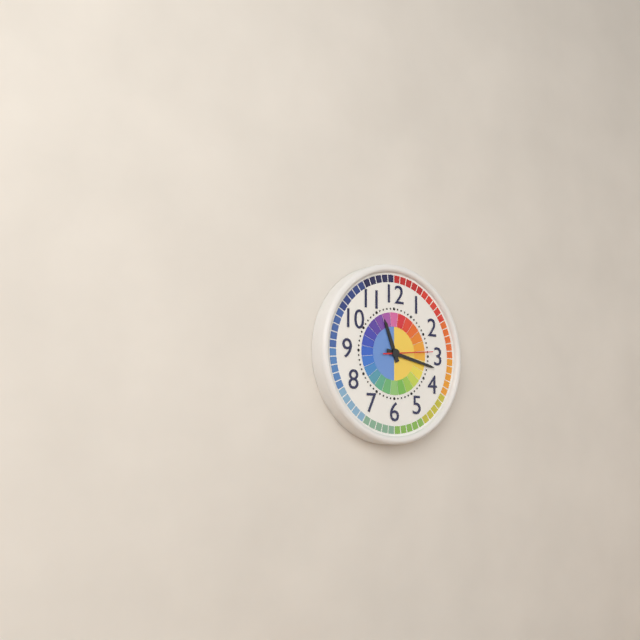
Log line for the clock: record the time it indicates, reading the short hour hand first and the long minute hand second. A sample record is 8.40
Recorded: 11.17
